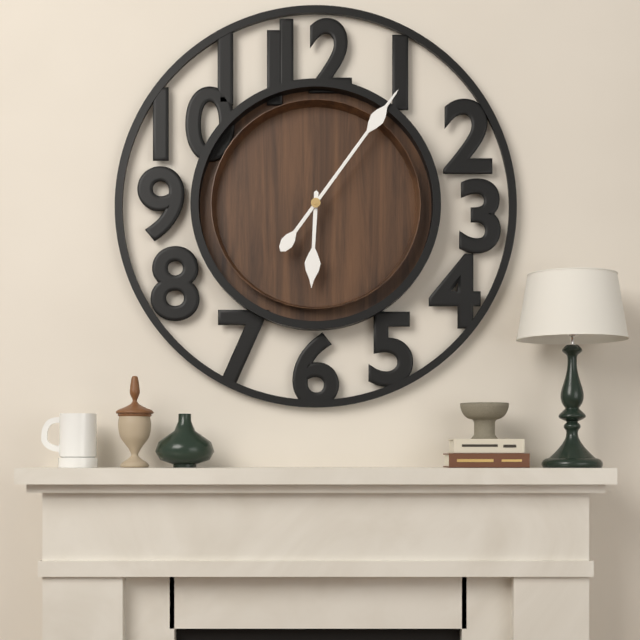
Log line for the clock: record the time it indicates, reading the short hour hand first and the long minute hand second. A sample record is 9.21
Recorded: 6.06
